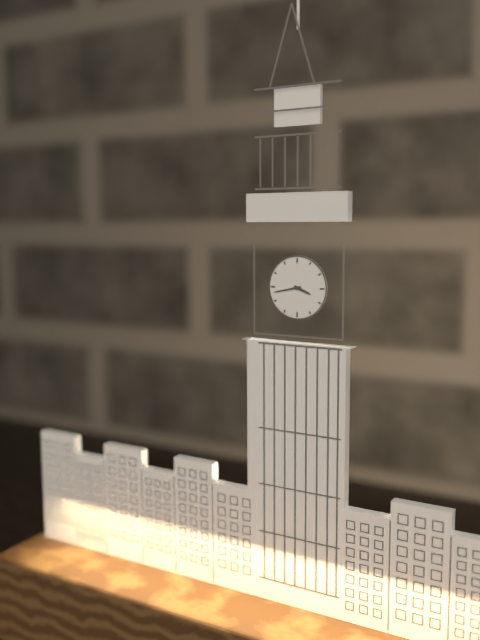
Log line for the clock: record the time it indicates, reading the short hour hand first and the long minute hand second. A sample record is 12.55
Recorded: 3.43
